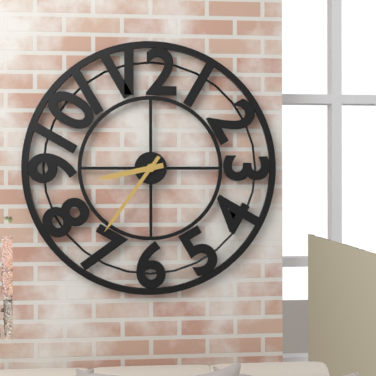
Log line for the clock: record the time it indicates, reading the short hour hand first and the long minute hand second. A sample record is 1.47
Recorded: 8.36
